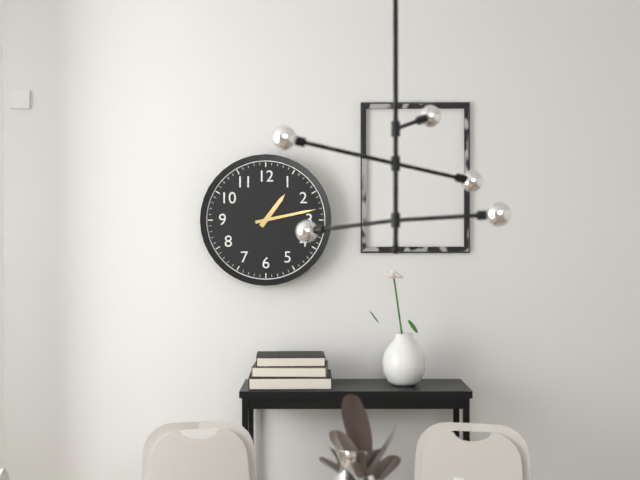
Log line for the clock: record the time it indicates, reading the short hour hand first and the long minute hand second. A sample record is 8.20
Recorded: 1.13
